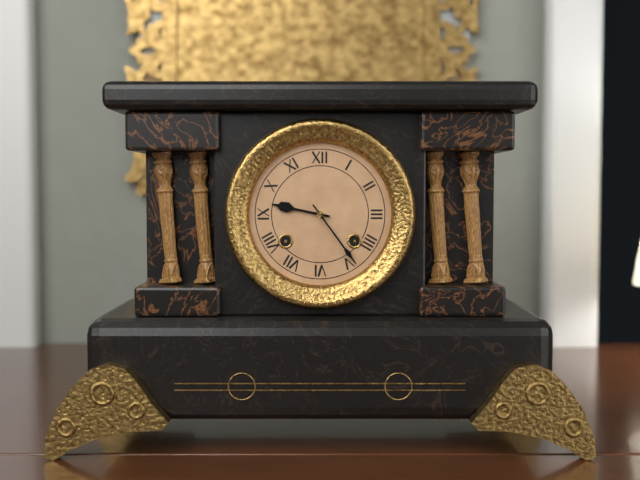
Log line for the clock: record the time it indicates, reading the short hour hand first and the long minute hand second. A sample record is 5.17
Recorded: 9.24
